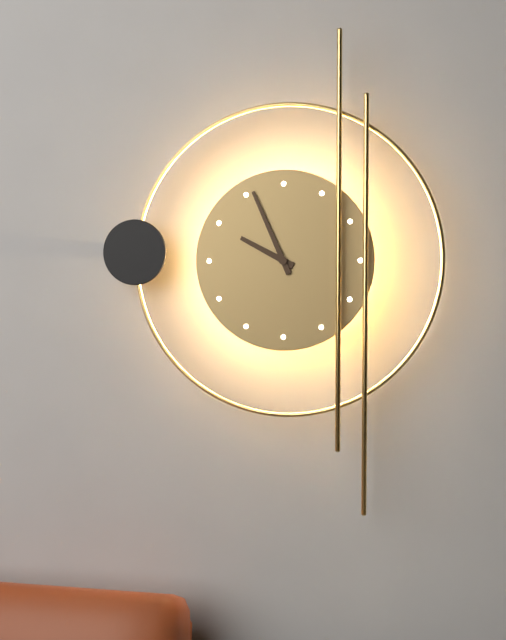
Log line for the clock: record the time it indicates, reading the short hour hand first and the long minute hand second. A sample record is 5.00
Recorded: 9.56
